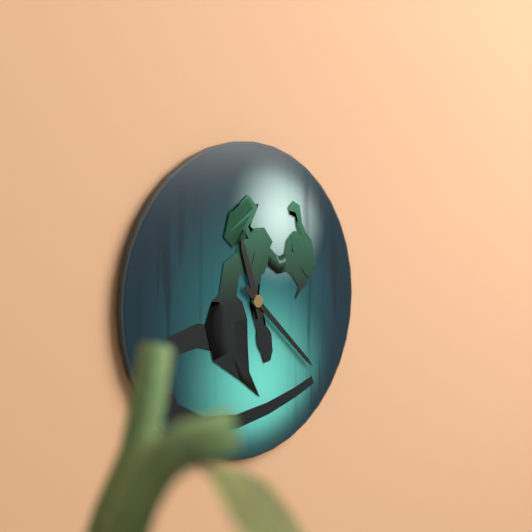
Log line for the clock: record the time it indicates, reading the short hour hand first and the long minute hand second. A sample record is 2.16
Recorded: 11.22
